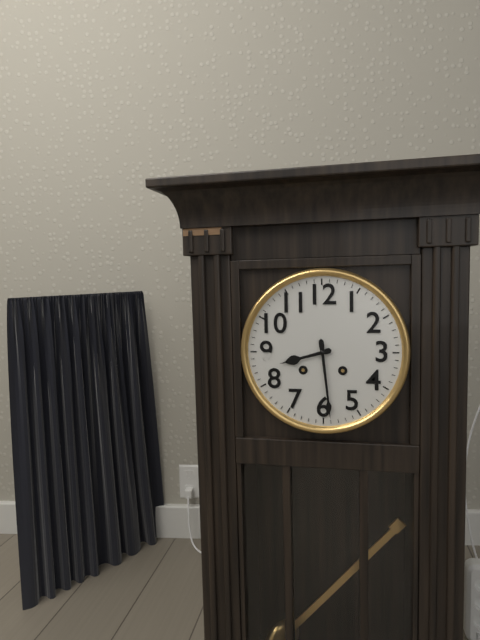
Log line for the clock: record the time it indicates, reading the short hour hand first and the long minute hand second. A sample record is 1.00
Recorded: 8.29
